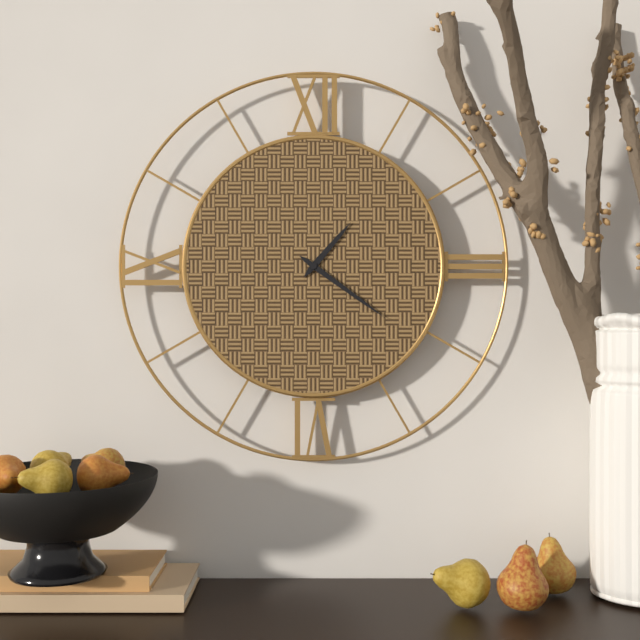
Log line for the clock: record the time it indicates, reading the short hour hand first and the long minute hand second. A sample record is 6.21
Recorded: 1.21
